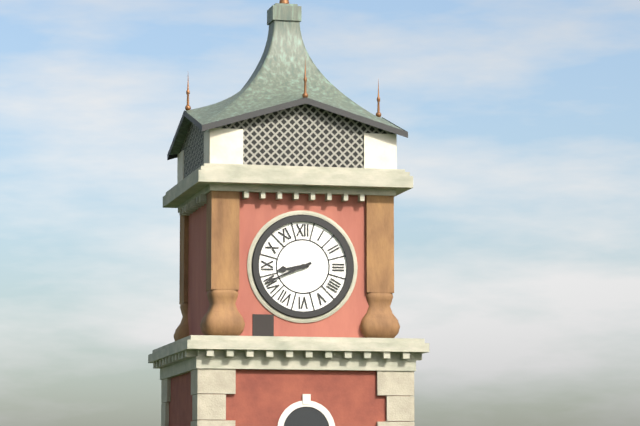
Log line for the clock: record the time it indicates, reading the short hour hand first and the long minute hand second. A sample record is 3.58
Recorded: 8.41
